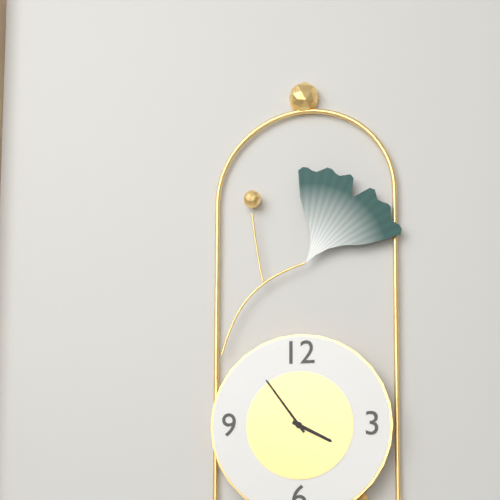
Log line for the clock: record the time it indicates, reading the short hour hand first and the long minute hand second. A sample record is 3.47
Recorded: 3.54
